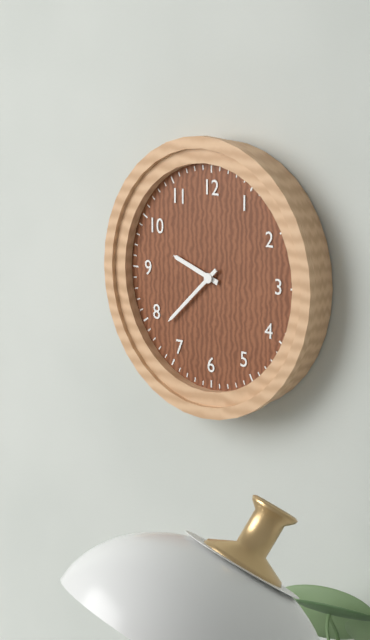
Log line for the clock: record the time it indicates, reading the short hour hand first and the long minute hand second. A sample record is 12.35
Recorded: 9.38
